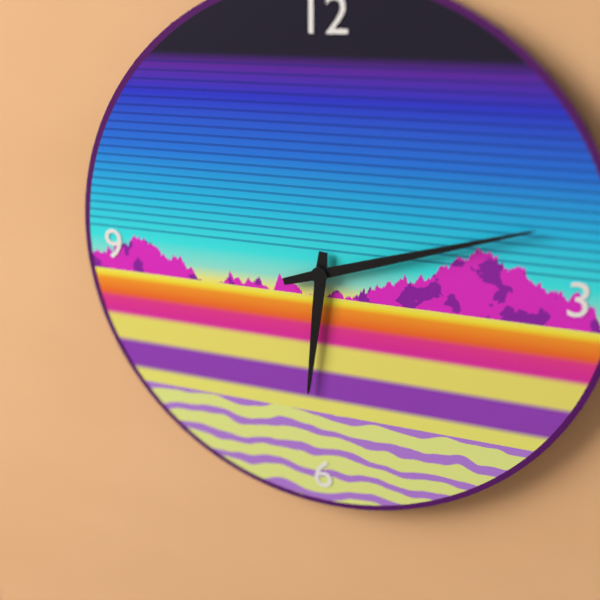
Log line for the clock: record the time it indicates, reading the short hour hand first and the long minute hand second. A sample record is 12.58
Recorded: 6.12
